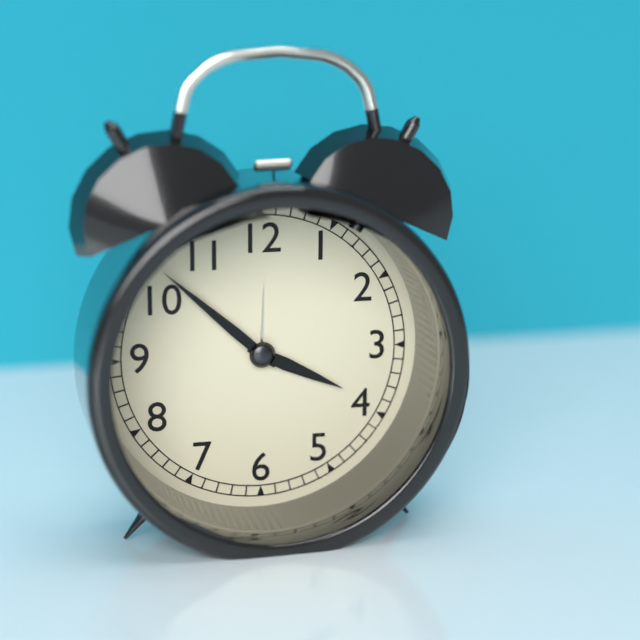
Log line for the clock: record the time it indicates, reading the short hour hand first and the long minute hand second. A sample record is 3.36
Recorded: 3.52
